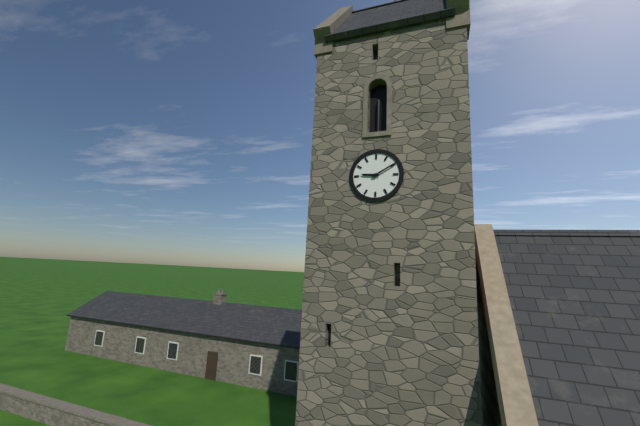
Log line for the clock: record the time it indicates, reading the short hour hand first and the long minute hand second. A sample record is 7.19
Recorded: 9.10
